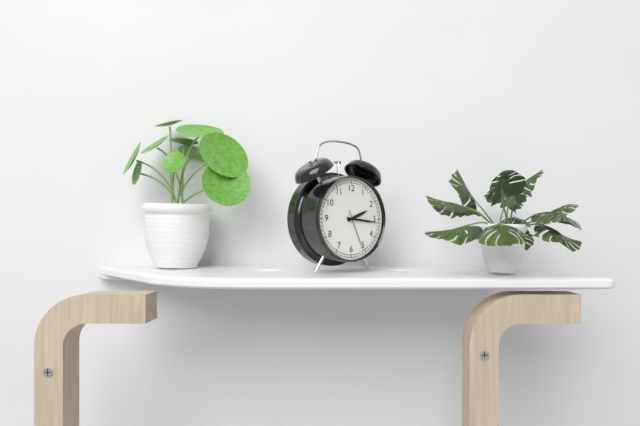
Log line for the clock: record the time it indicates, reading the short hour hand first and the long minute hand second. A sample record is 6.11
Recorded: 2.16
